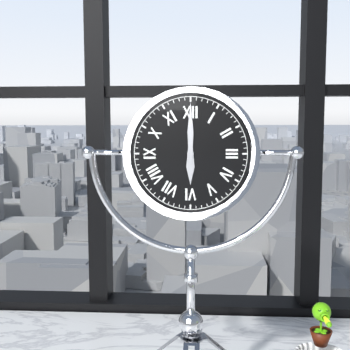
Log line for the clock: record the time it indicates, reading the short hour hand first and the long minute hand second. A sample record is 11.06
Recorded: 6.00
